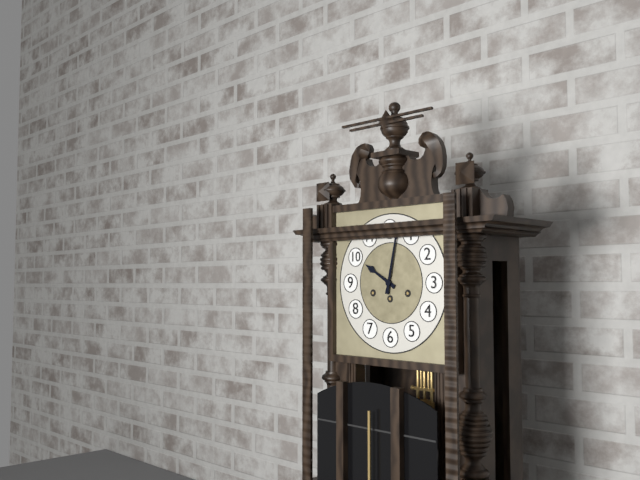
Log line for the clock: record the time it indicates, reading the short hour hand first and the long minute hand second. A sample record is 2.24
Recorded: 10.02
